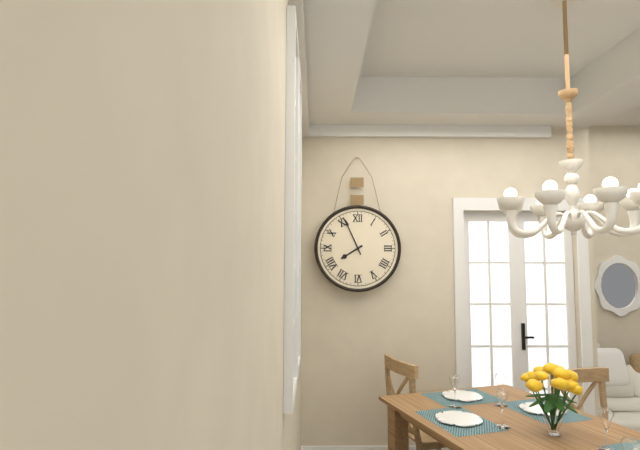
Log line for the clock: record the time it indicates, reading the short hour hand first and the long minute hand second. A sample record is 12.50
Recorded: 7.56
